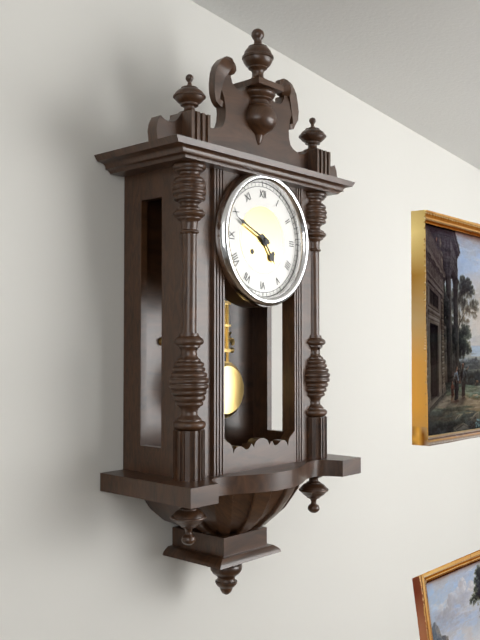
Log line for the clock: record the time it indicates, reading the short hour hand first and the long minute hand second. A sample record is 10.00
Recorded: 4.49
